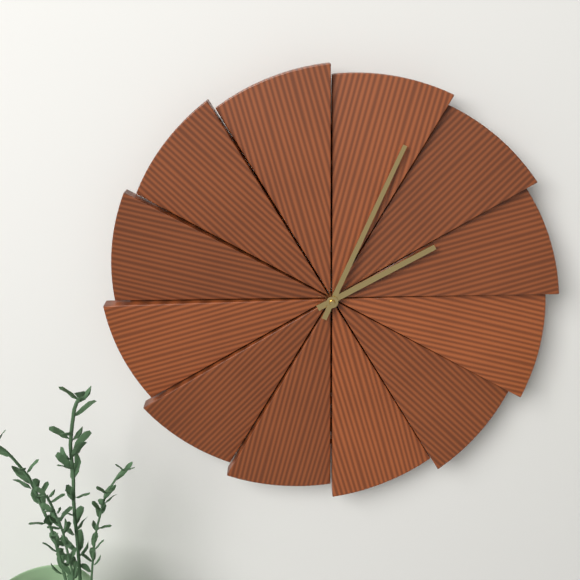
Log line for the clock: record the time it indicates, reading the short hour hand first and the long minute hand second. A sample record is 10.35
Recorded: 2.04
